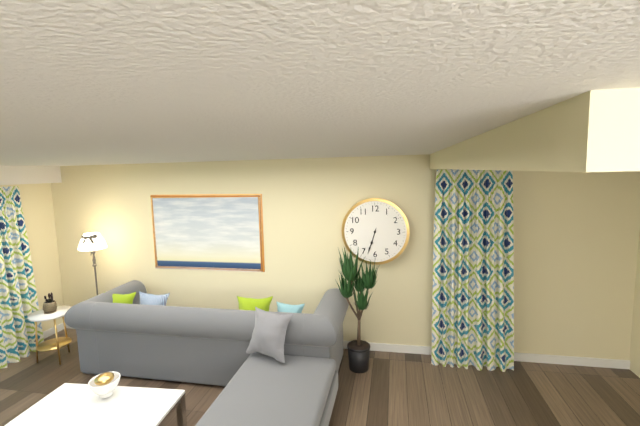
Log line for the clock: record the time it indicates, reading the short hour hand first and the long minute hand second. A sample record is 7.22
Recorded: 6.33
